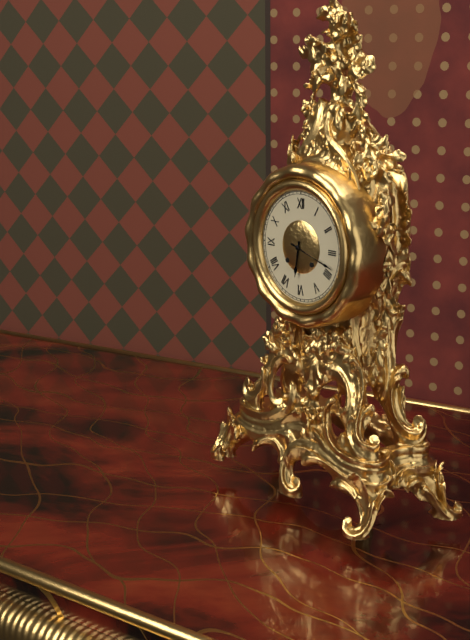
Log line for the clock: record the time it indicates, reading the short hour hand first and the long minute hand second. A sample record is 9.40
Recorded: 6.18
